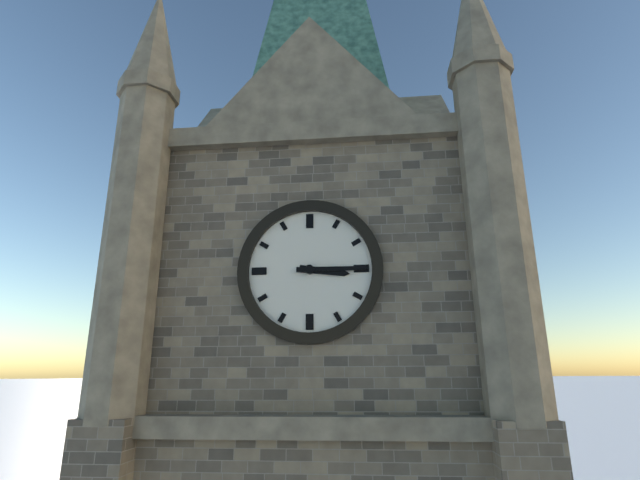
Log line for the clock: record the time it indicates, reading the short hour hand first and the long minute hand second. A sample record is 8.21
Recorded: 3.15
